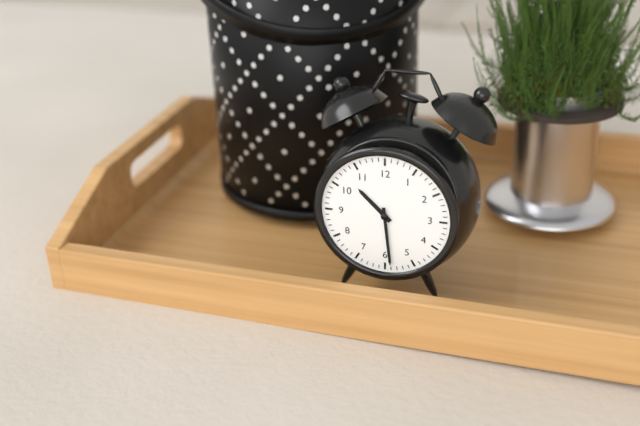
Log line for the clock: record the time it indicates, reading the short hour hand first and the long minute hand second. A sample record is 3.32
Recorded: 10.29
